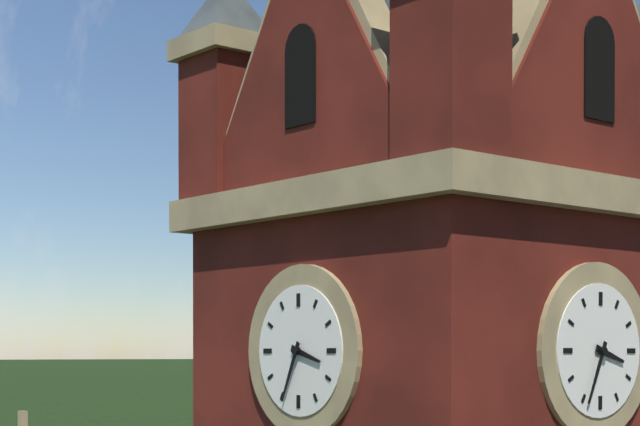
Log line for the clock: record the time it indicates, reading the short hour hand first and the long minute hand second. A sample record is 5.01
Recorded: 3.34
